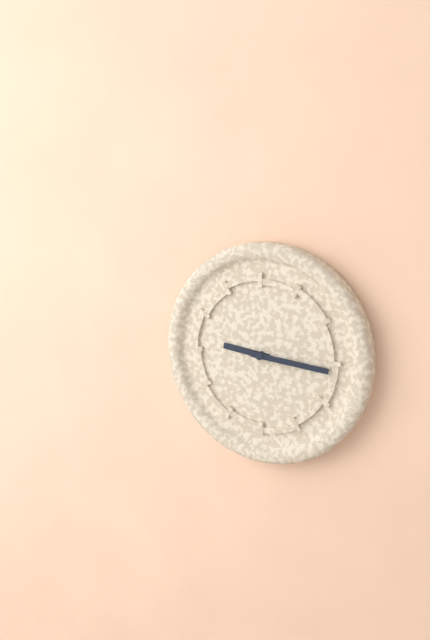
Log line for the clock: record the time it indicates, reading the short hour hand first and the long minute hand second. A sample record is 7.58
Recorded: 9.16
